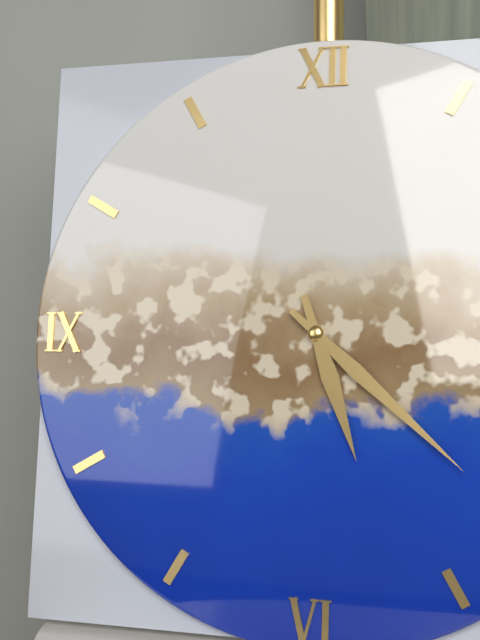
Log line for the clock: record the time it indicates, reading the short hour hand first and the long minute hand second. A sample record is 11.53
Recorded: 5.22
